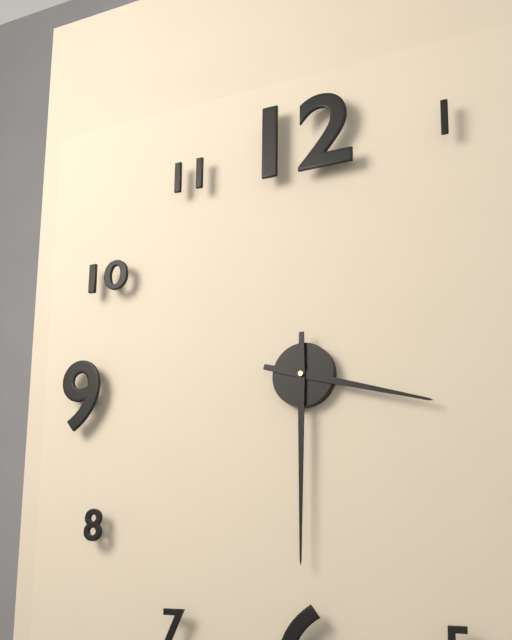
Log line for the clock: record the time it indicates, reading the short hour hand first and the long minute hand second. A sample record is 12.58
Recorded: 3.30
